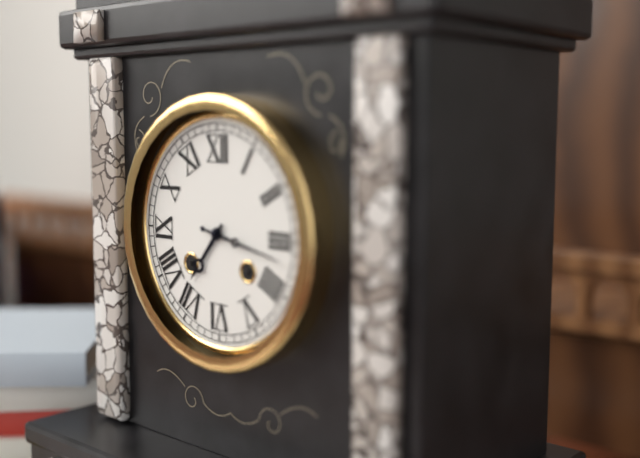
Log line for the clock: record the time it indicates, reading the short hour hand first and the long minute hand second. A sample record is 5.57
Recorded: 7.17
